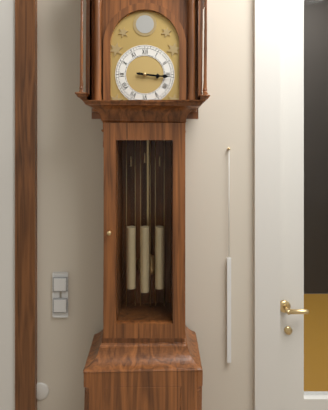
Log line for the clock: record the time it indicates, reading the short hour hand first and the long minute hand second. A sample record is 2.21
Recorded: 3.16
